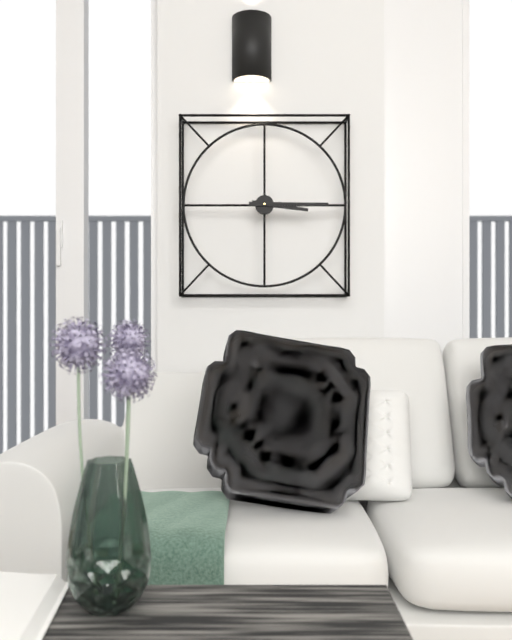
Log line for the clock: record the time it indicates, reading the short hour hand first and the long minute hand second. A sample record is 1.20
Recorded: 3.15
